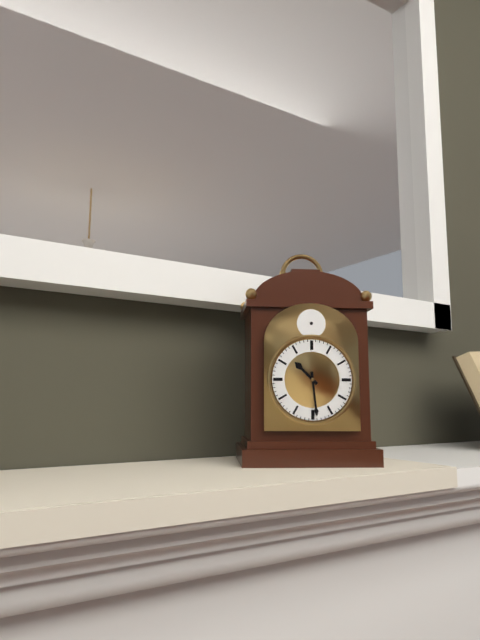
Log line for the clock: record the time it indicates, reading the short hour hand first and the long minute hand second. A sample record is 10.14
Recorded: 10.29
